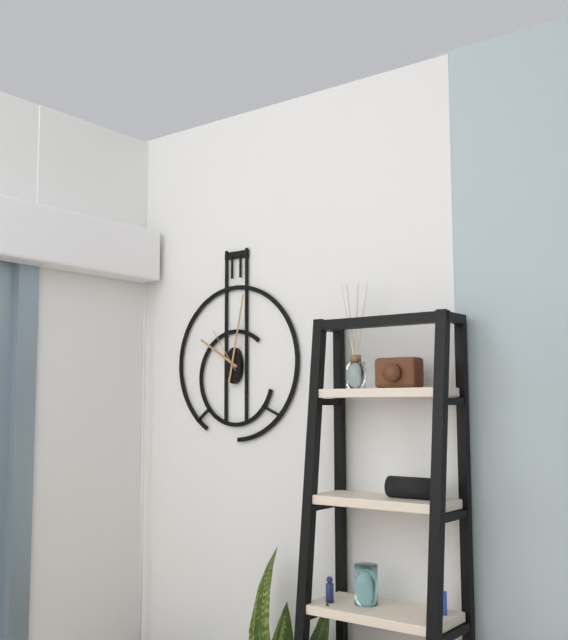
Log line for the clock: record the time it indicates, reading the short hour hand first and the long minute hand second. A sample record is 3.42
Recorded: 10.02
